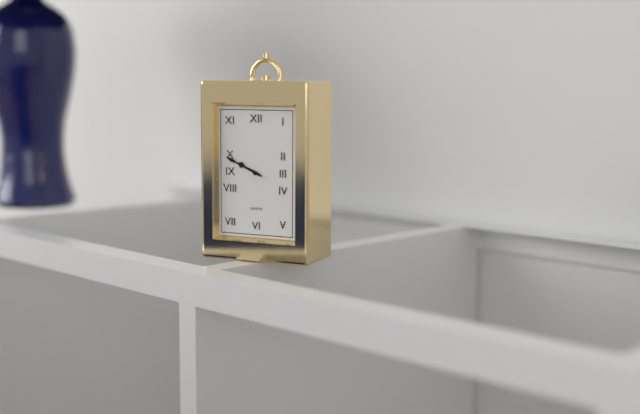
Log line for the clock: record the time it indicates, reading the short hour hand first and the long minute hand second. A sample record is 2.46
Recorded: 9.49
